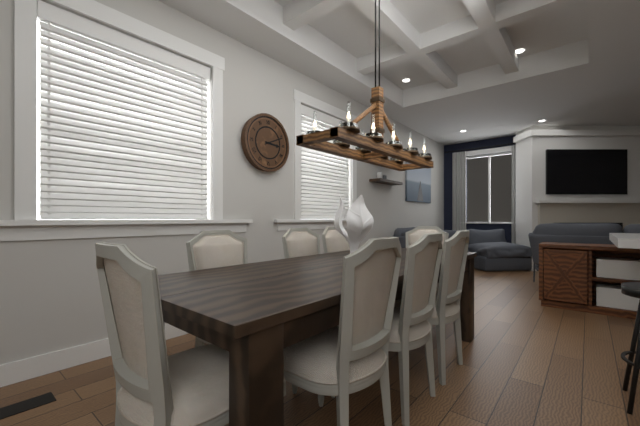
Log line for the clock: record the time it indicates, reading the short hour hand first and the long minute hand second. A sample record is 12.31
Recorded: 3.11
